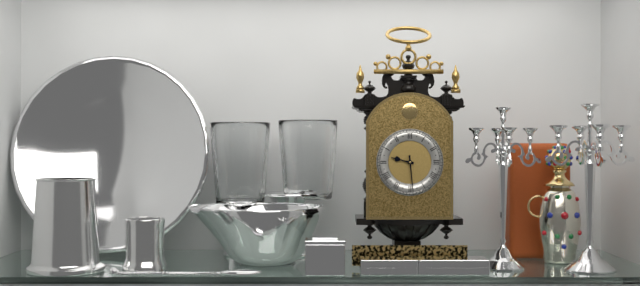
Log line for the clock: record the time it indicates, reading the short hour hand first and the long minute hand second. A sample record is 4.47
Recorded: 9.29
